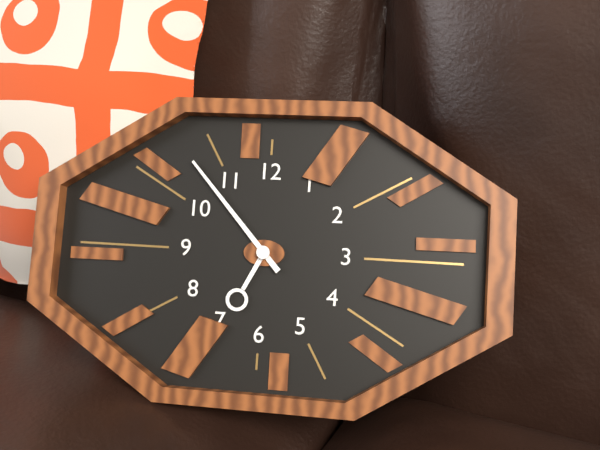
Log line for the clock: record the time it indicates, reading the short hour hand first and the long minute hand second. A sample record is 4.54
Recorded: 6.53
